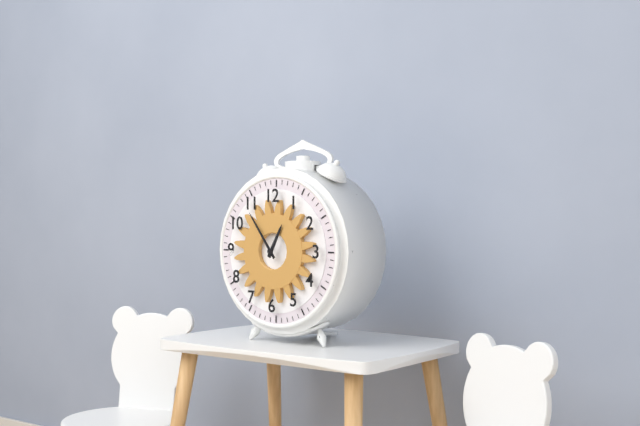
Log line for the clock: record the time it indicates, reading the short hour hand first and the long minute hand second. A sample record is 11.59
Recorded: 12.54
